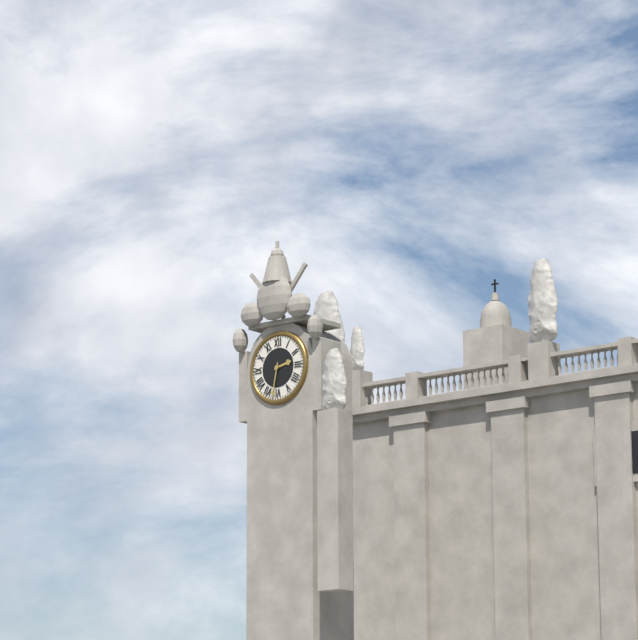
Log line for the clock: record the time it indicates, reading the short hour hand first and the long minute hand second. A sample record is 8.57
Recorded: 2.32
